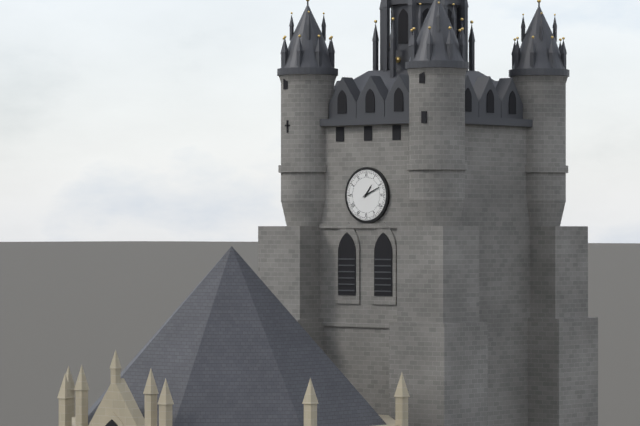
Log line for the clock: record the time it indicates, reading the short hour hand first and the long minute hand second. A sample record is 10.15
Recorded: 1.11
